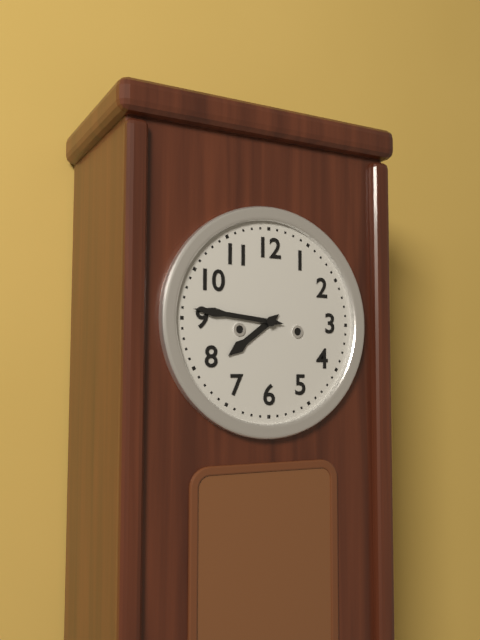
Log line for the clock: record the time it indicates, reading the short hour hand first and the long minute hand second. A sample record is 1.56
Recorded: 7.46
